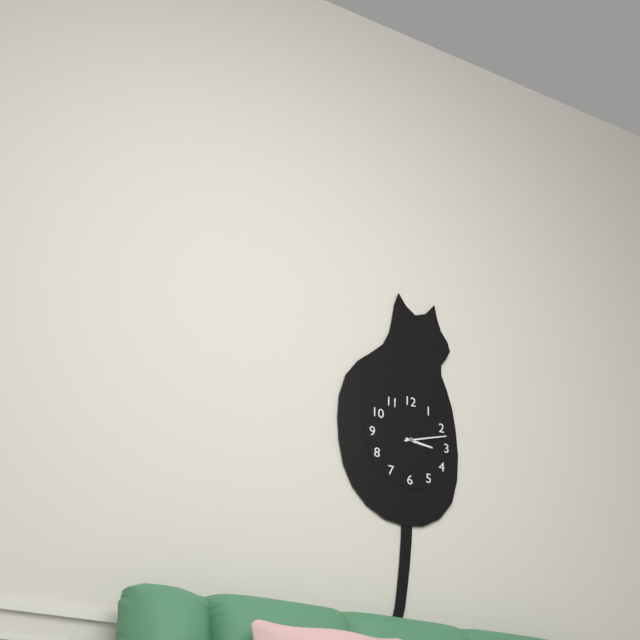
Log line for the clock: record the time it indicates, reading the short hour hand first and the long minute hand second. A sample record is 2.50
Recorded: 3.12
